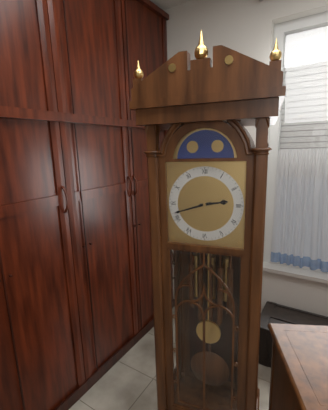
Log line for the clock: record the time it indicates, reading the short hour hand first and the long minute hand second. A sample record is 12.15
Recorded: 2.42
